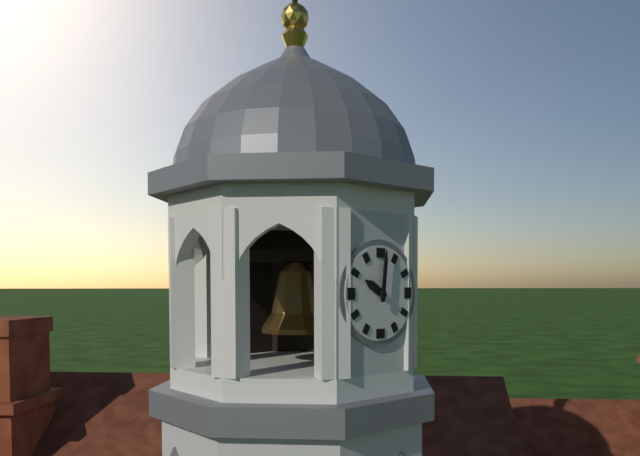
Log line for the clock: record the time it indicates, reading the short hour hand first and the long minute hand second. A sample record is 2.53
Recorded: 10.01
